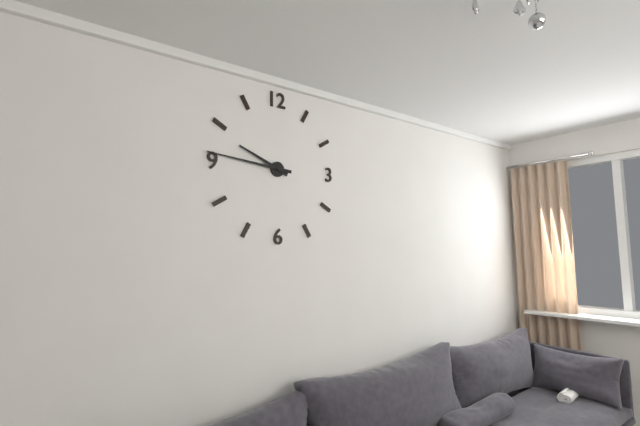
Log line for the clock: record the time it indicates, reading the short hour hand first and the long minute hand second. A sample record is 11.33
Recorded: 9.46
